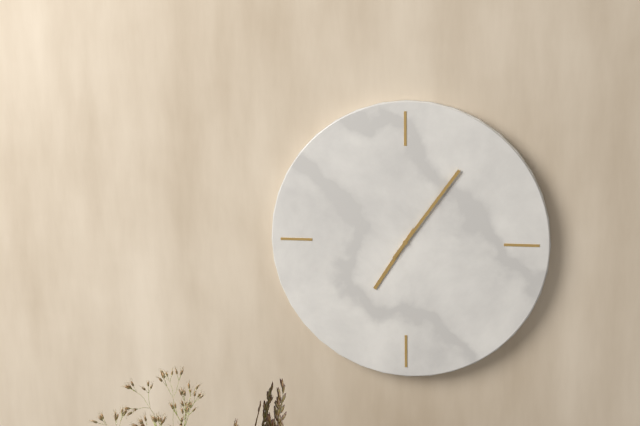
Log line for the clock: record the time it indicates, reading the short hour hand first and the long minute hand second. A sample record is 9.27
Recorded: 7.06
